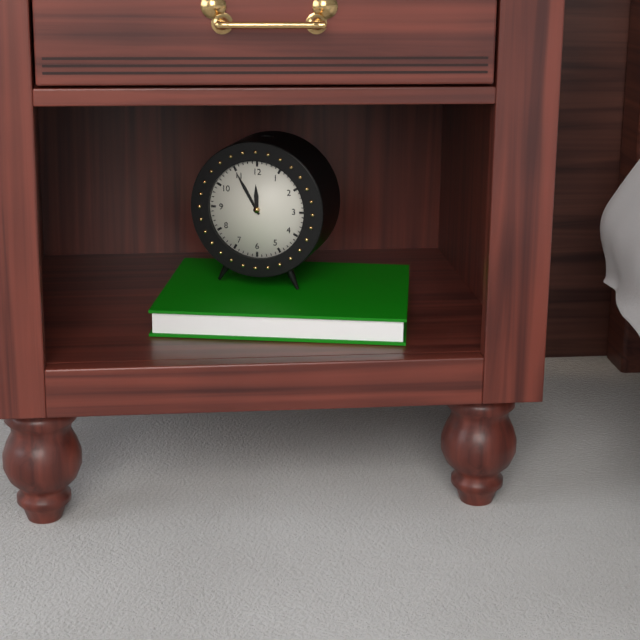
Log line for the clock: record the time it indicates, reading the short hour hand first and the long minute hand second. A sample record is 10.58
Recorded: 11.55
